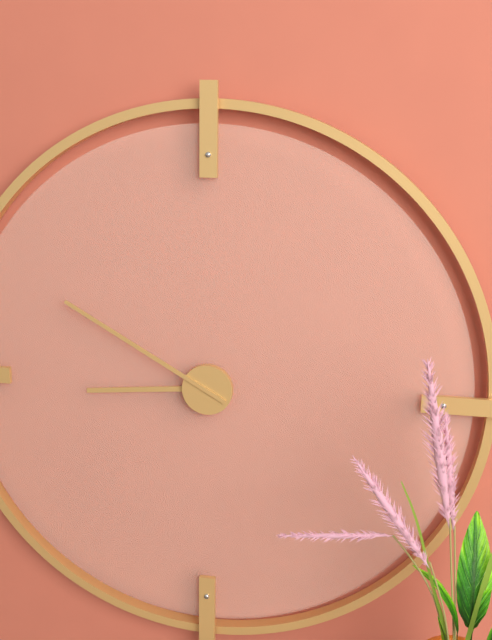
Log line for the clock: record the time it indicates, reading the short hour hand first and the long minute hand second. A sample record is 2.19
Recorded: 8.50
